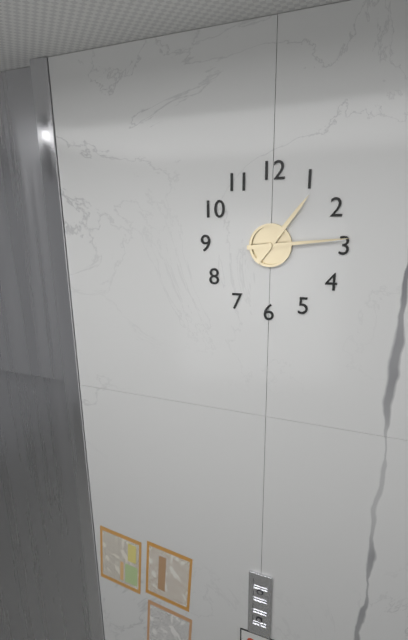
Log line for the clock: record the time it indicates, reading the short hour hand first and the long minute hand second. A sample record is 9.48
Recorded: 1.14
